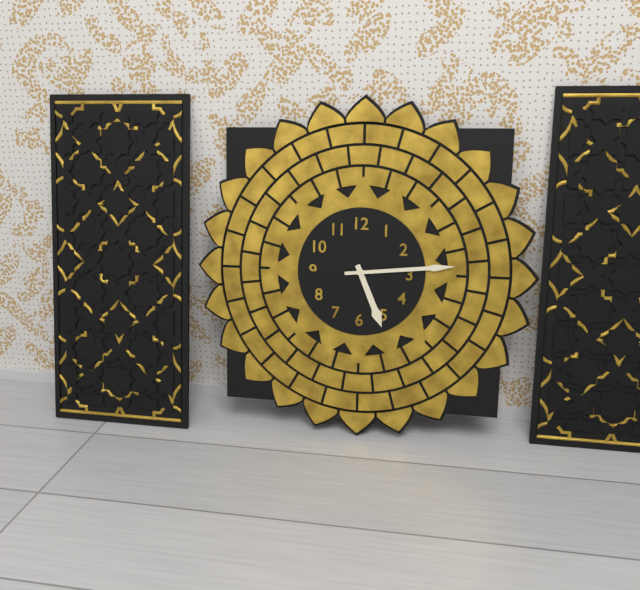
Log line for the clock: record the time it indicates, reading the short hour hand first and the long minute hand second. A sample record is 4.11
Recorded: 5.14
